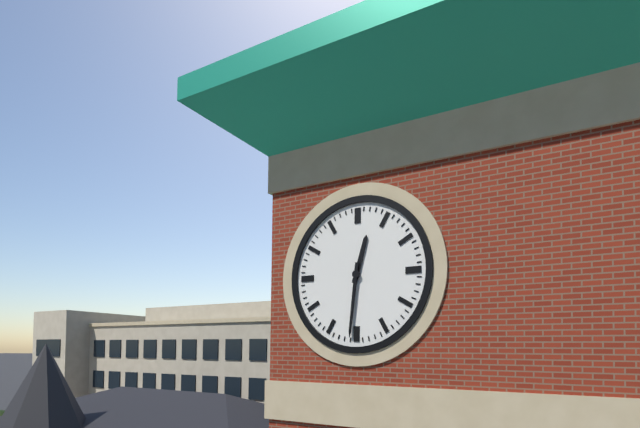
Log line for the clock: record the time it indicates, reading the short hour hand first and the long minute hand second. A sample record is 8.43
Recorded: 12.31
